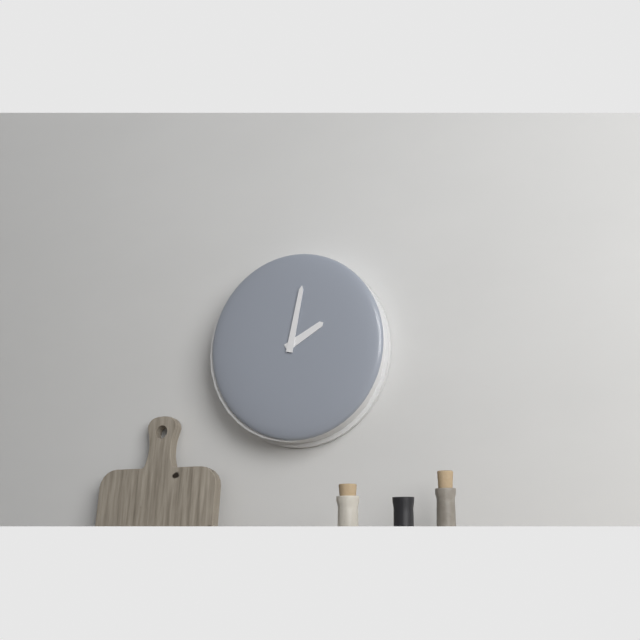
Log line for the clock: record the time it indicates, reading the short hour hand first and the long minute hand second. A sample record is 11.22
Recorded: 2.02
